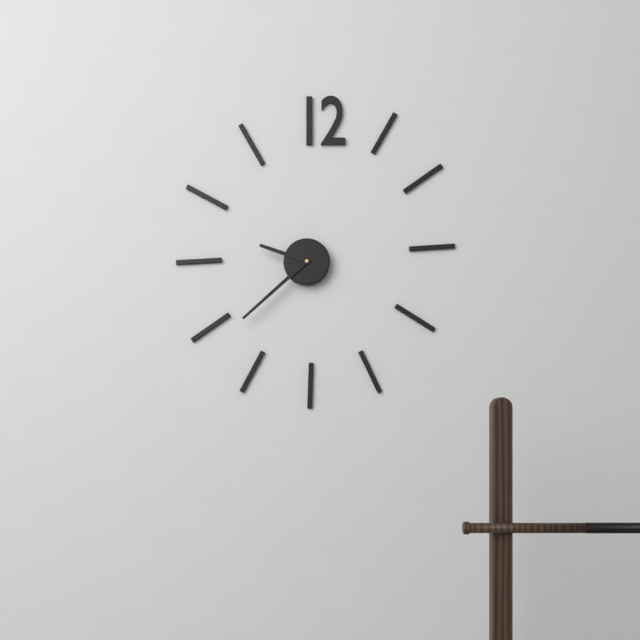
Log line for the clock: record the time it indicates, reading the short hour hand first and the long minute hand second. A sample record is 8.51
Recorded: 9.38
